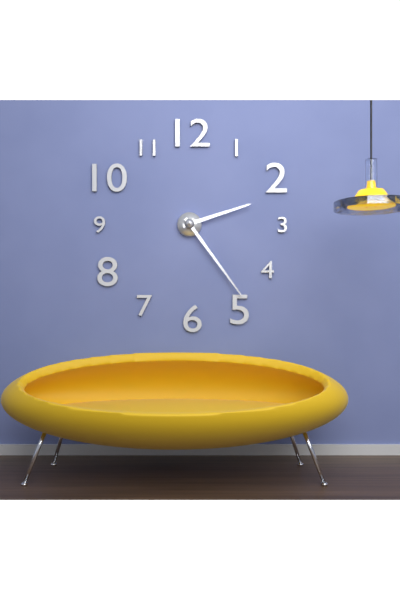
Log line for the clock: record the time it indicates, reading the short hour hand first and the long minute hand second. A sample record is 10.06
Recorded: 2.24
